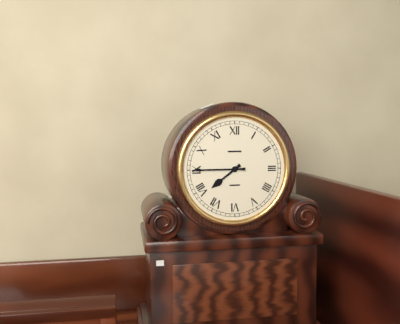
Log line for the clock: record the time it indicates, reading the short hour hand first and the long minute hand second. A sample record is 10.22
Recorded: 7.45
